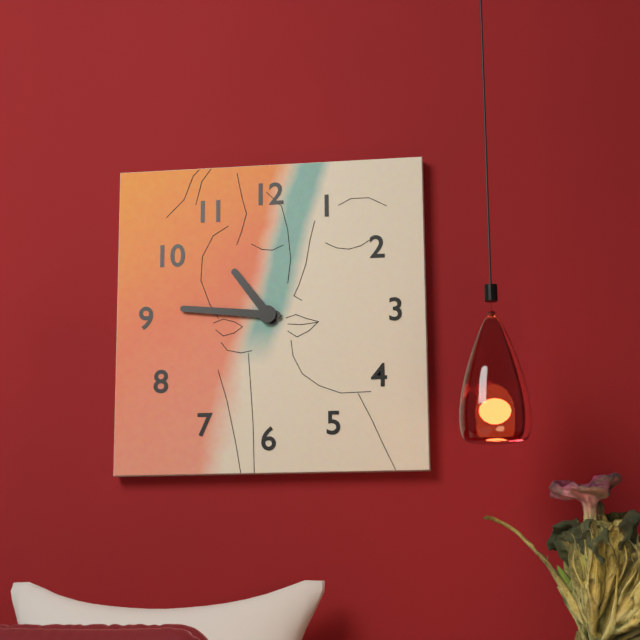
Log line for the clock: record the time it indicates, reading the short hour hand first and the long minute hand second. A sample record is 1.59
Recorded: 10.46
